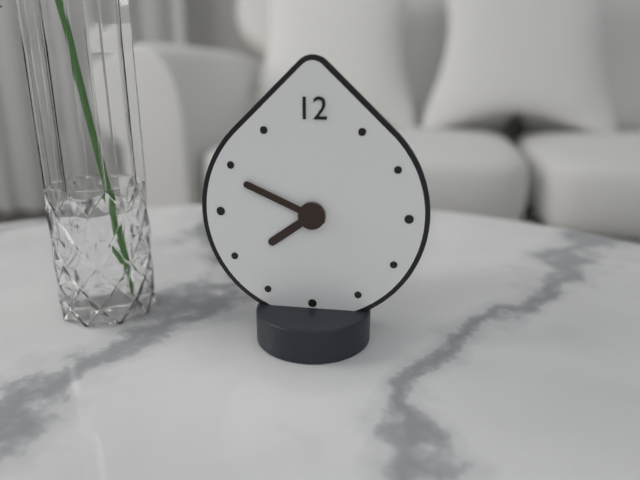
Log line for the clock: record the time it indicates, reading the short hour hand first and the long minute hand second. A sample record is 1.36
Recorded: 7.49
